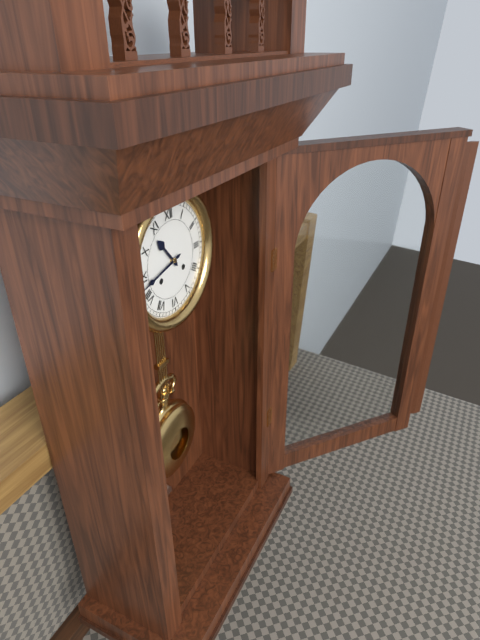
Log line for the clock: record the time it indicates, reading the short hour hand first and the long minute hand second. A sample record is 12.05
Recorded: 10.43
